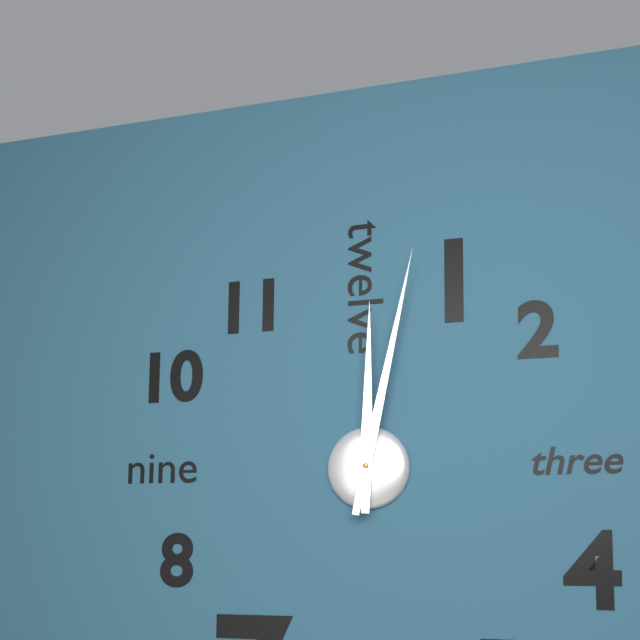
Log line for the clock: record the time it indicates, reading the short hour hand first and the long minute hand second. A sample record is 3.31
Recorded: 12.02
